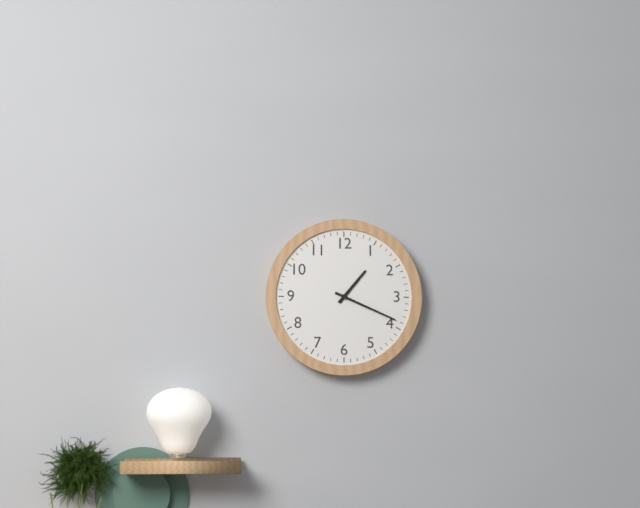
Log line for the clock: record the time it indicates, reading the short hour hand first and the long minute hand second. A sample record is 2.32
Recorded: 1.19
